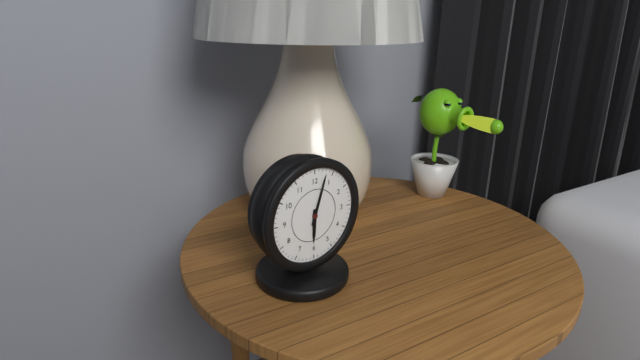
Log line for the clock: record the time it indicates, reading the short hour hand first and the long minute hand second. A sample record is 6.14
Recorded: 6.03
